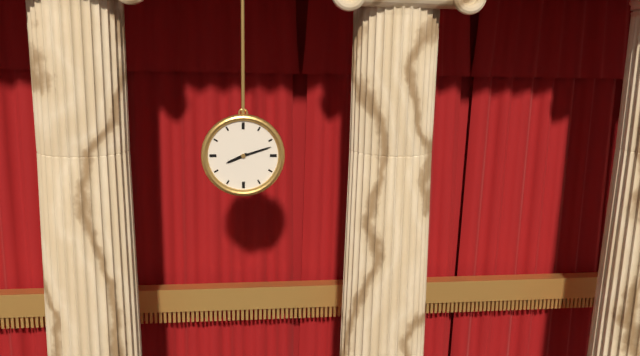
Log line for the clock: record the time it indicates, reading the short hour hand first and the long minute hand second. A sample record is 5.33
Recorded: 8.12
